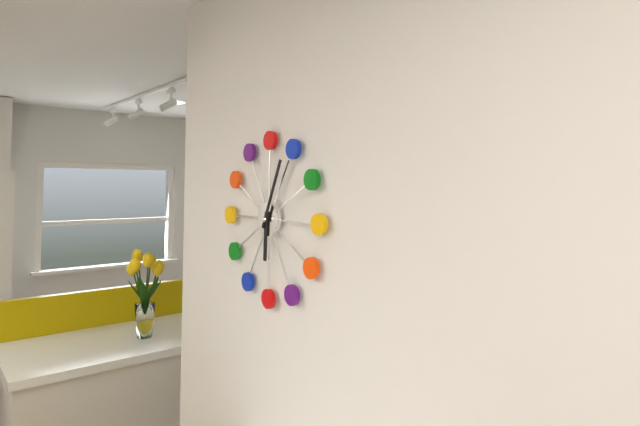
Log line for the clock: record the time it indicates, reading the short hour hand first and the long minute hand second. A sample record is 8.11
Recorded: 6.04
